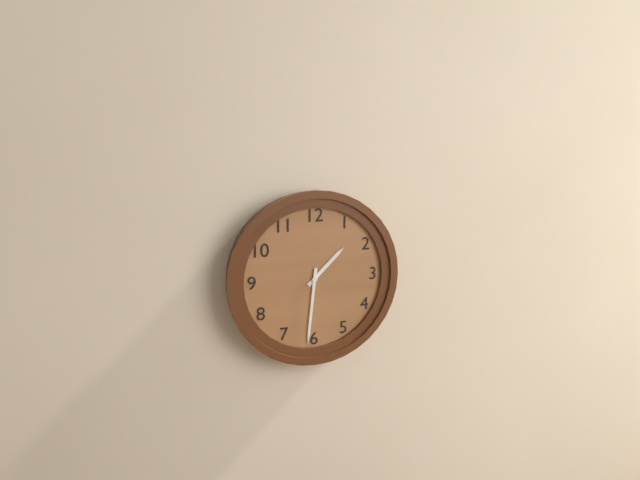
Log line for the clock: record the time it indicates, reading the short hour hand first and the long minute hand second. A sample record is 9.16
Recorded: 1.31
